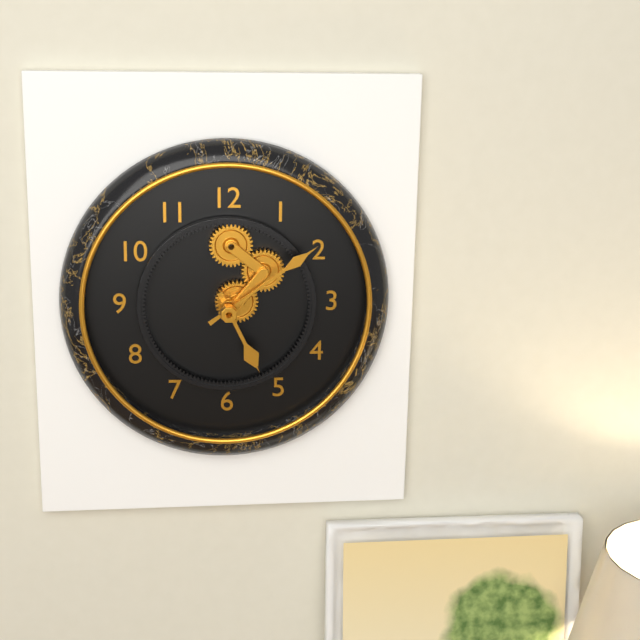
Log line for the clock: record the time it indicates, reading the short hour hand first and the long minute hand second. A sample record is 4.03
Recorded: 5.09
